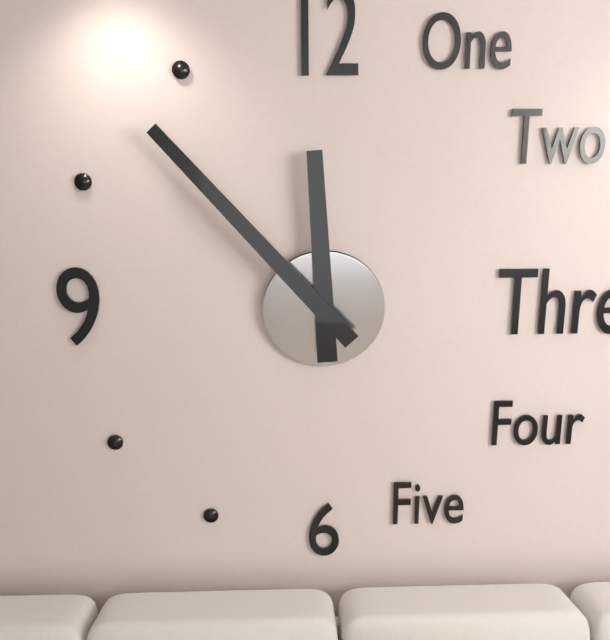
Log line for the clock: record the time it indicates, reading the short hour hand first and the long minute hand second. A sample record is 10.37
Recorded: 11.53
